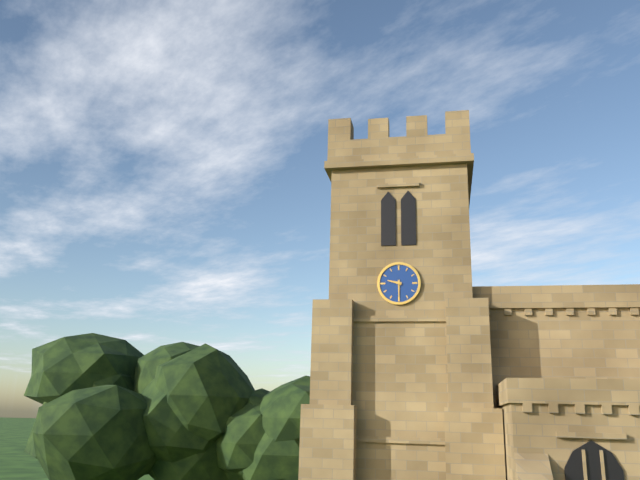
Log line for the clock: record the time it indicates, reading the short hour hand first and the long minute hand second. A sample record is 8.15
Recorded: 9.30
